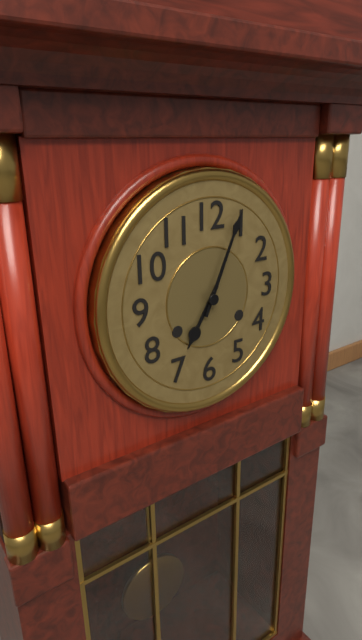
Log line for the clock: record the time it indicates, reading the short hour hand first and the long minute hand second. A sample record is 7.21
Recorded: 7.04
